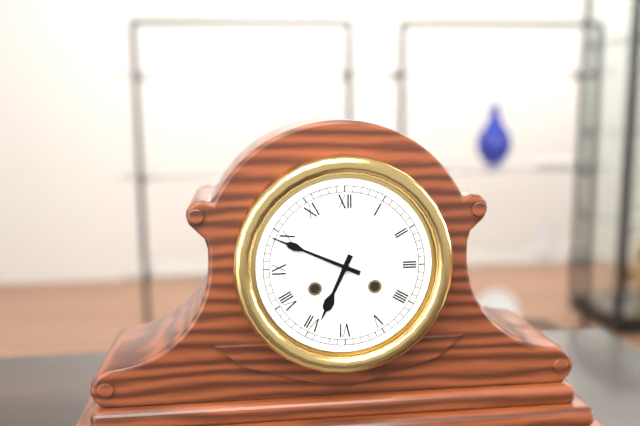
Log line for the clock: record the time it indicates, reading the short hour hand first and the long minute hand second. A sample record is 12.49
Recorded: 6.49
